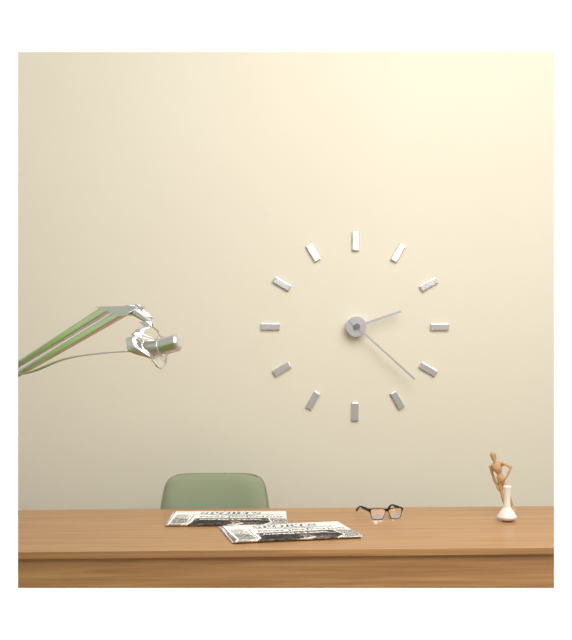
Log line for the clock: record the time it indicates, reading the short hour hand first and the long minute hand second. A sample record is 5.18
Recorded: 2.22
